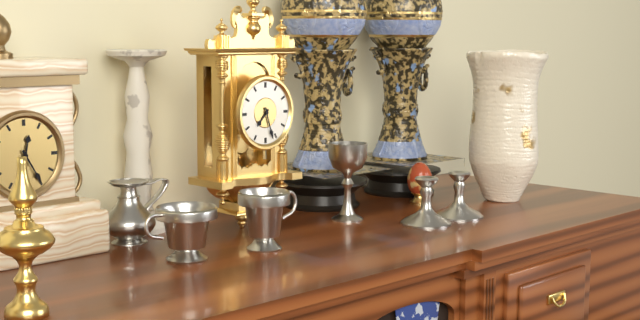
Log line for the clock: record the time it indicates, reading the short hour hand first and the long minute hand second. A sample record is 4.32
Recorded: 7.27
